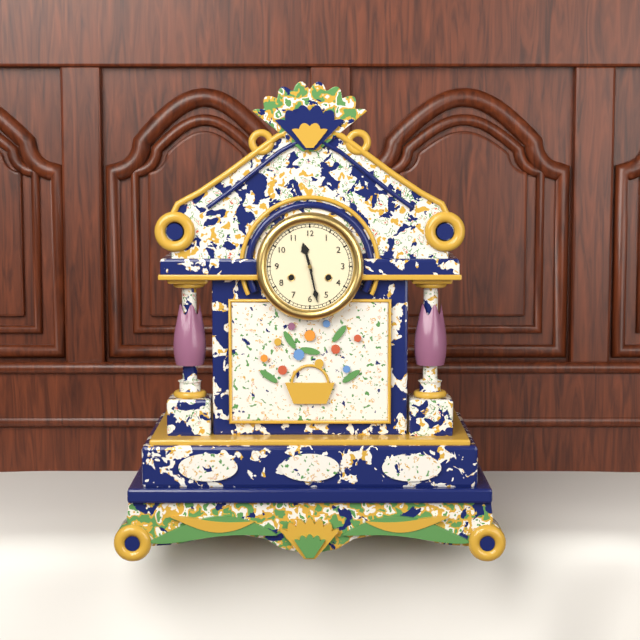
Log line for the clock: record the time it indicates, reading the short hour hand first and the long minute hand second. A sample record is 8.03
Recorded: 11.28
